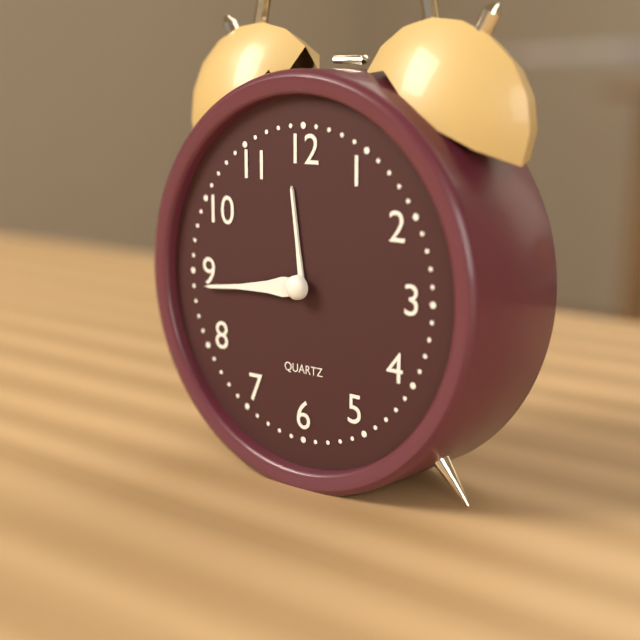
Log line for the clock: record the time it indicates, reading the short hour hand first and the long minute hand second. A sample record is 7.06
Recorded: 11.44
